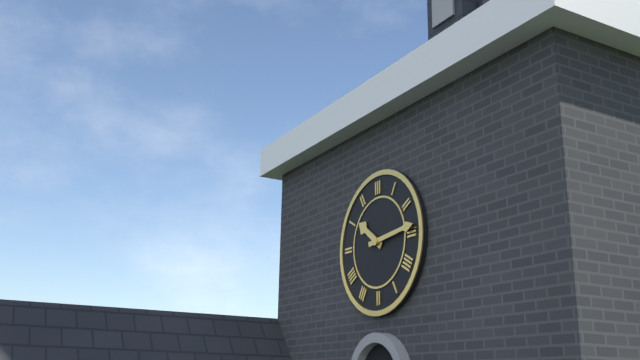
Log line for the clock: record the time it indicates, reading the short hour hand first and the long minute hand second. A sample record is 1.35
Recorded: 10.14
